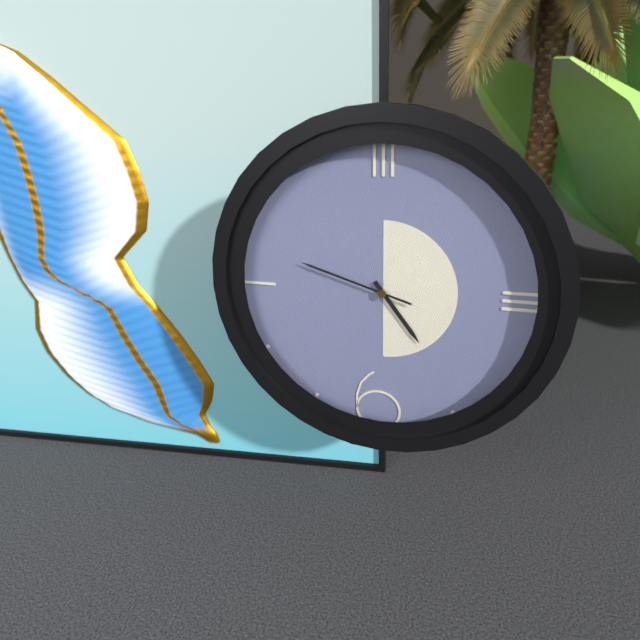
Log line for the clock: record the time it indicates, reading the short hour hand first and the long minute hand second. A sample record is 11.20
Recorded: 4.48
